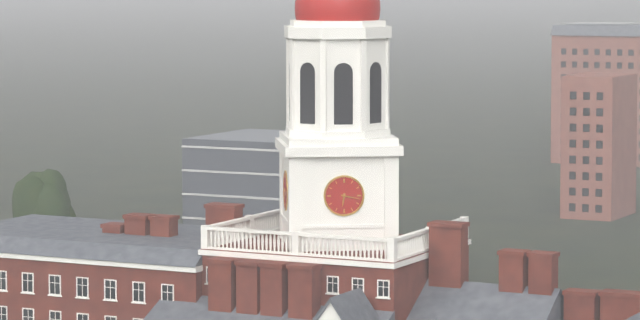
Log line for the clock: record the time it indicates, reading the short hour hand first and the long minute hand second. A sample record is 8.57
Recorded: 6.17
